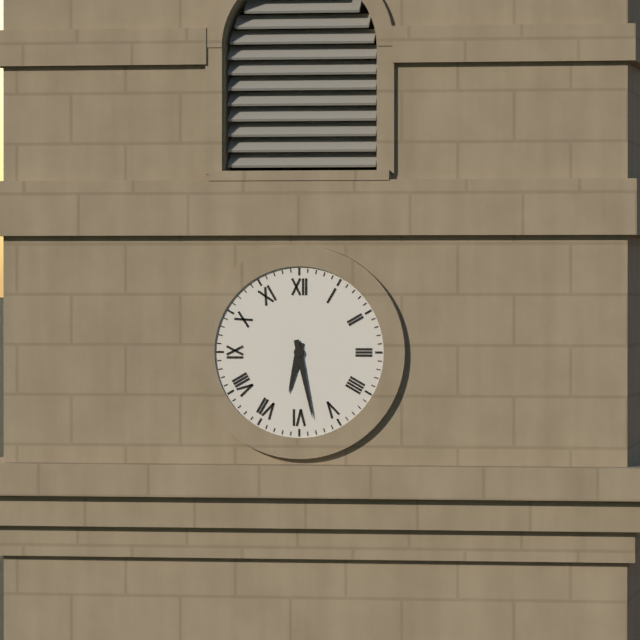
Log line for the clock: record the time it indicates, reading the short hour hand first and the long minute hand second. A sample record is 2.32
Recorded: 6.28
